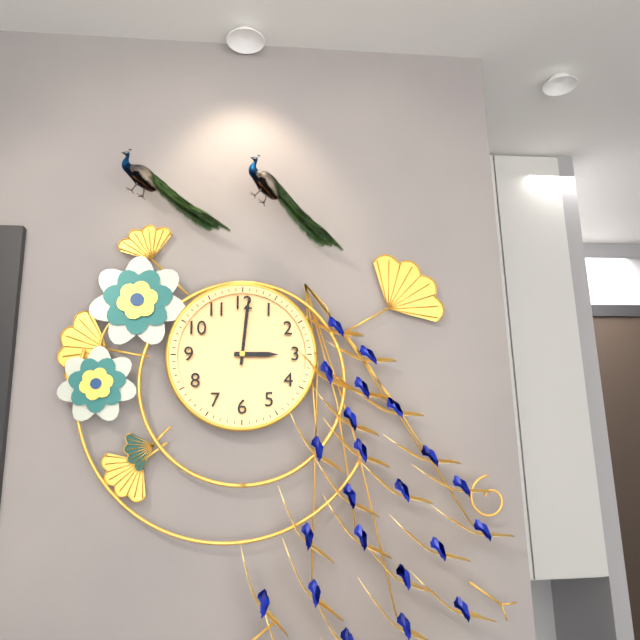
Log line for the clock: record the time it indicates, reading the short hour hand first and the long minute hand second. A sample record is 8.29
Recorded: 3.01
